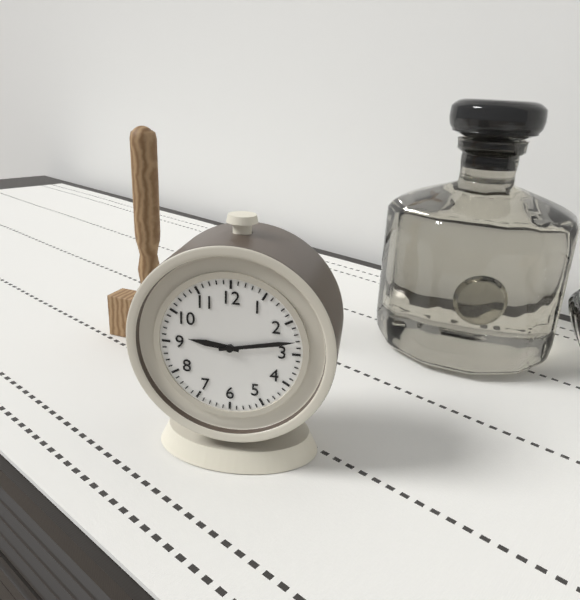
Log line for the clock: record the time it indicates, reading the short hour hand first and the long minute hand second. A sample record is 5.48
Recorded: 9.13
